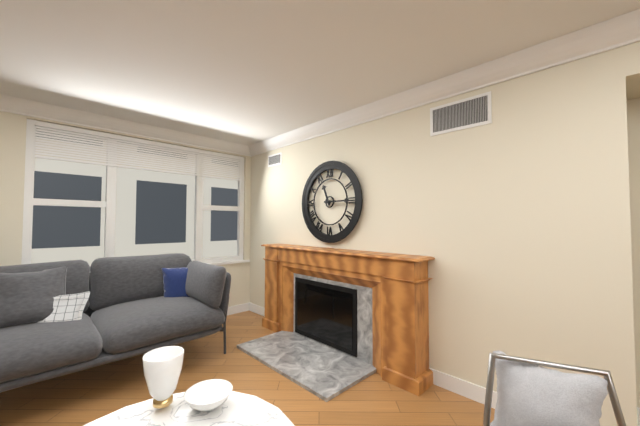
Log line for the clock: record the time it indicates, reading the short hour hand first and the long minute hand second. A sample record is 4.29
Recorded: 11.15
